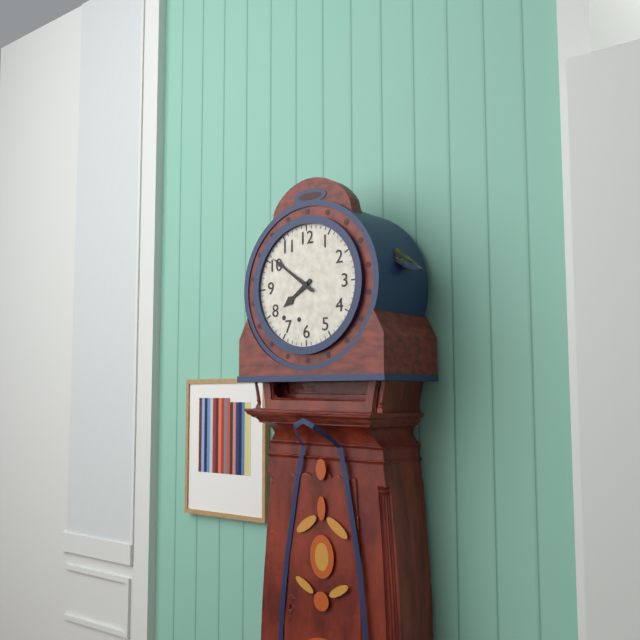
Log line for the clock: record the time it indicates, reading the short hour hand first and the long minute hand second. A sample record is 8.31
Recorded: 7.51
